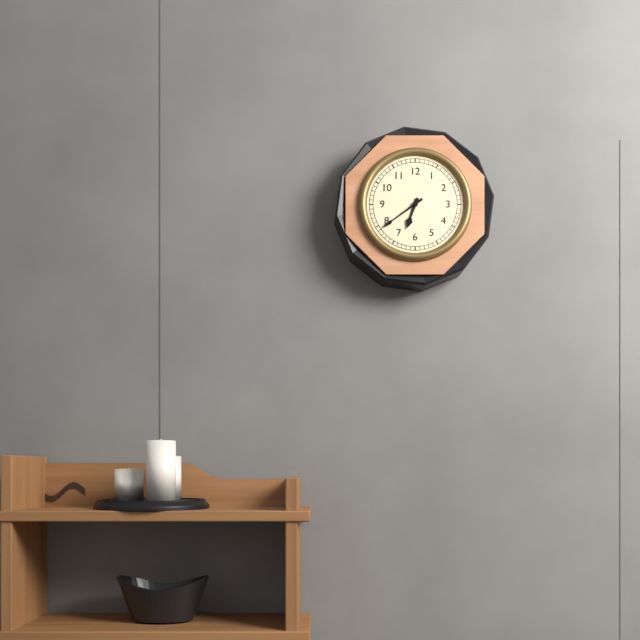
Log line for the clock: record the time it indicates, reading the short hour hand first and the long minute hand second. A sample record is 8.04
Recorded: 6.39
